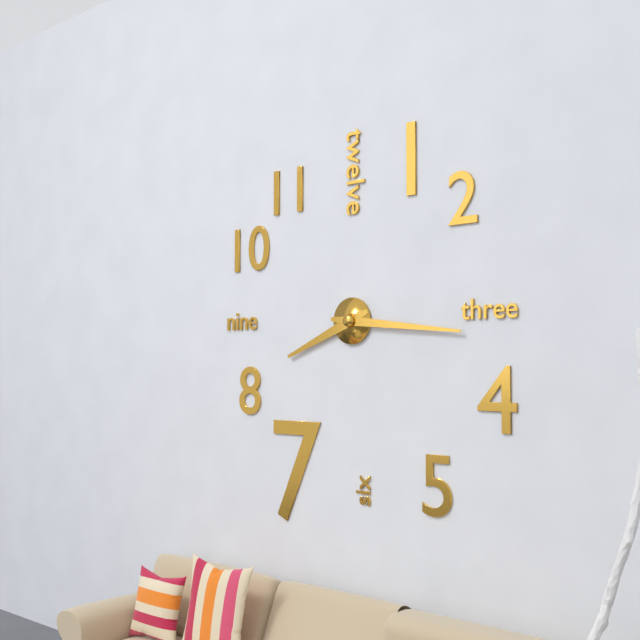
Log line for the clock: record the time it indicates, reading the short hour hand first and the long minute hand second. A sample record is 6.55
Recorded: 8.16
